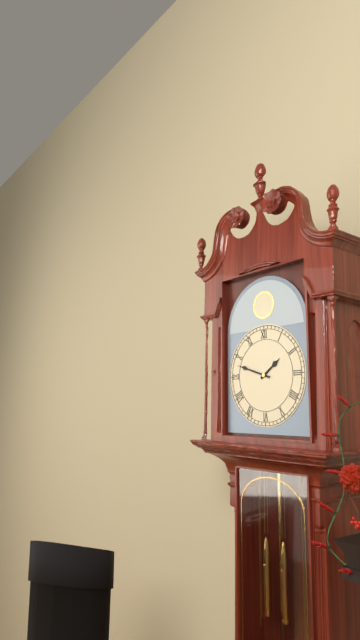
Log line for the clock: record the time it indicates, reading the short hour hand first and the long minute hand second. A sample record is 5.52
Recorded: 1.48
